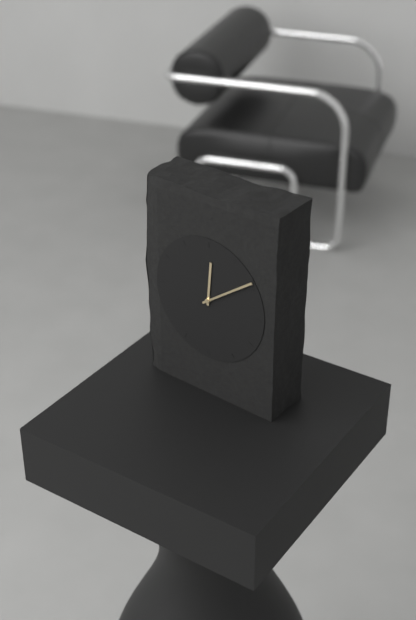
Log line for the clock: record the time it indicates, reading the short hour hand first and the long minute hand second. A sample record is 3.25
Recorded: 12.09
